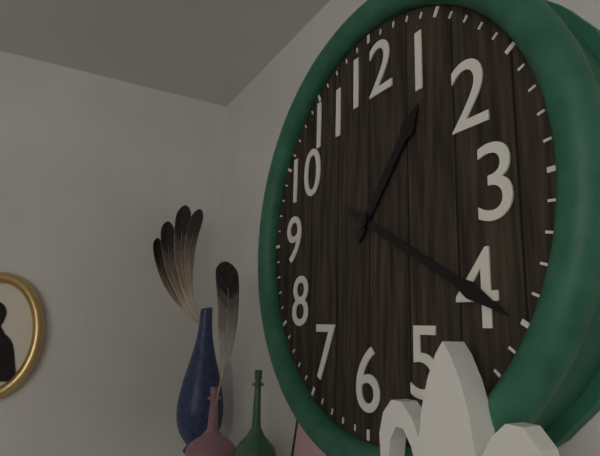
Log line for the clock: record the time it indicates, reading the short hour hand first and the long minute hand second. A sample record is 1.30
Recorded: 1.20
